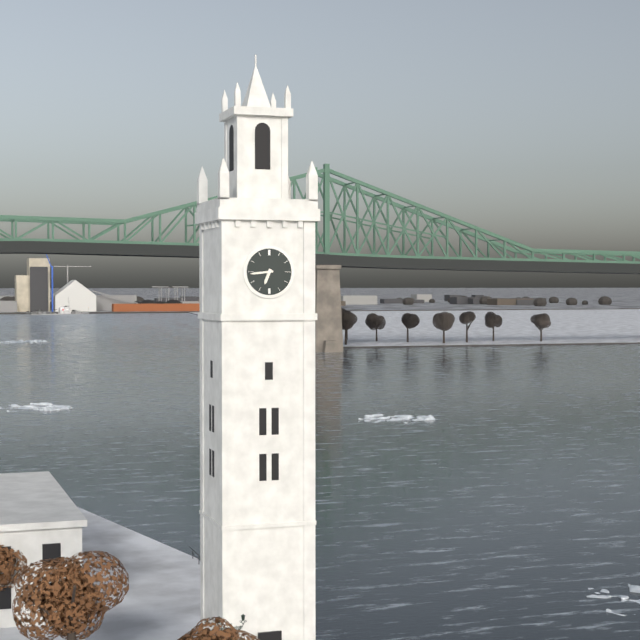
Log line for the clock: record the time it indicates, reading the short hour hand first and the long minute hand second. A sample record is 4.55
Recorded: 6.44
